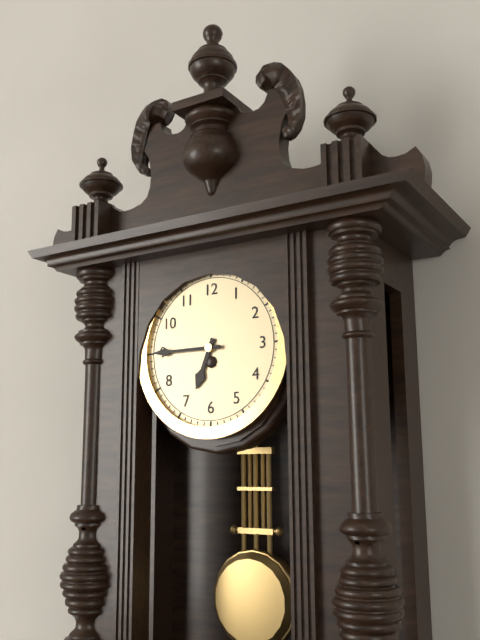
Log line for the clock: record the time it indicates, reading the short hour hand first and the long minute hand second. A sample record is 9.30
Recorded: 6.45
